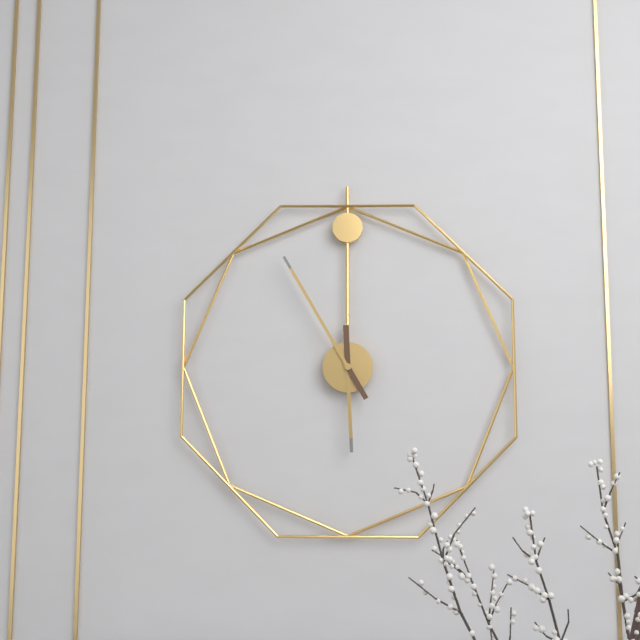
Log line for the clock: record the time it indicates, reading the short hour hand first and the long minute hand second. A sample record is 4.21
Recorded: 5.55
